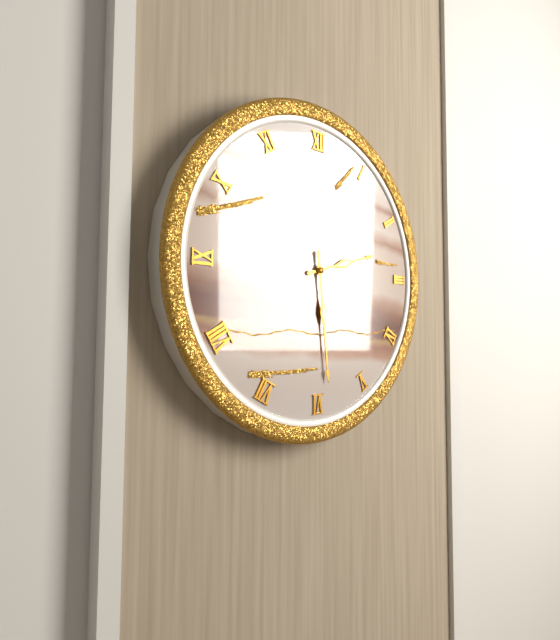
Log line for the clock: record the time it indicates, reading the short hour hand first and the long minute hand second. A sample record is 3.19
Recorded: 2.29
